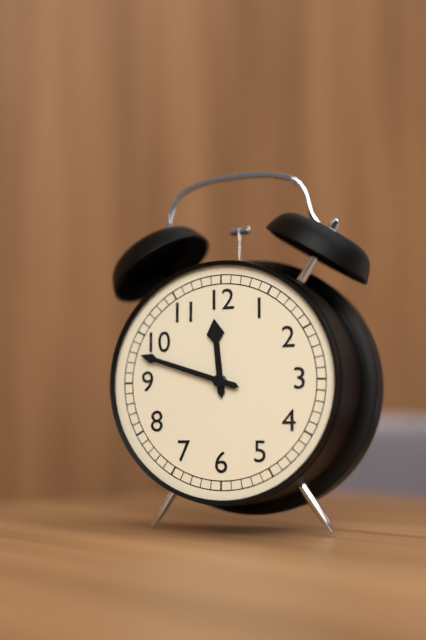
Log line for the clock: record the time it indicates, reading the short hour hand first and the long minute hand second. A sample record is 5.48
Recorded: 11.48
